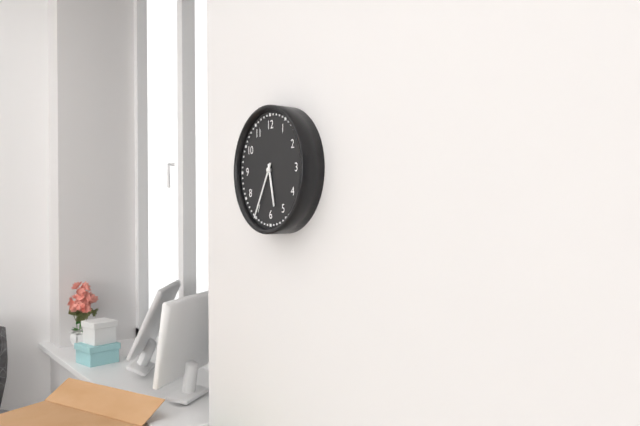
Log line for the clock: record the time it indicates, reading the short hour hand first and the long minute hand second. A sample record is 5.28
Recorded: 5.35
